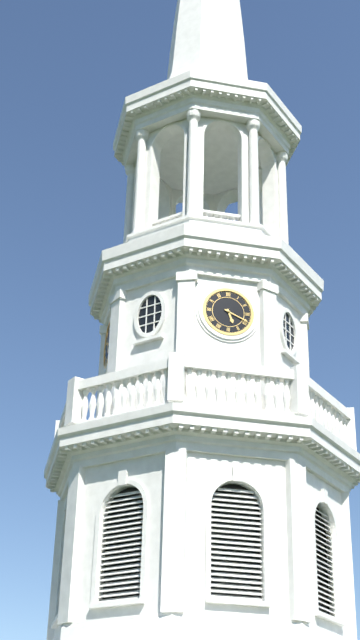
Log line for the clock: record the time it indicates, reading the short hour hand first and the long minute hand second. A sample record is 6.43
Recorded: 5.19
